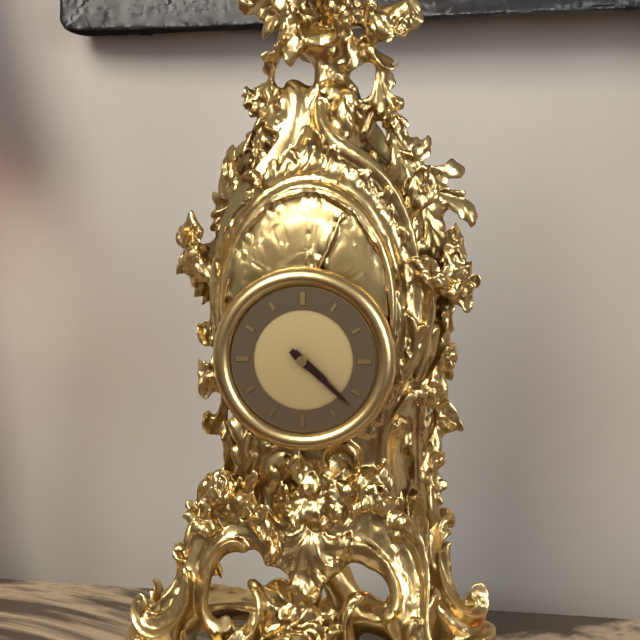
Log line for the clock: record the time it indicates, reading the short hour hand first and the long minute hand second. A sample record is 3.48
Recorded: 4.22
